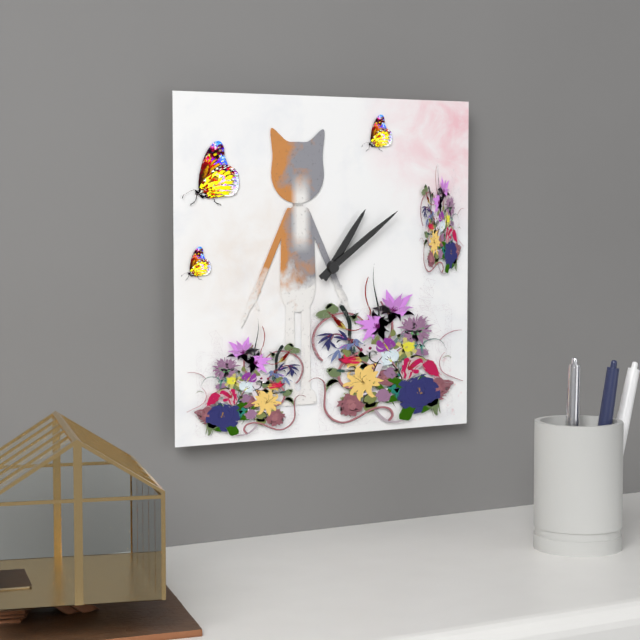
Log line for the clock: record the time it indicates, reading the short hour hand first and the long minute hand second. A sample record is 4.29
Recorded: 1.09
